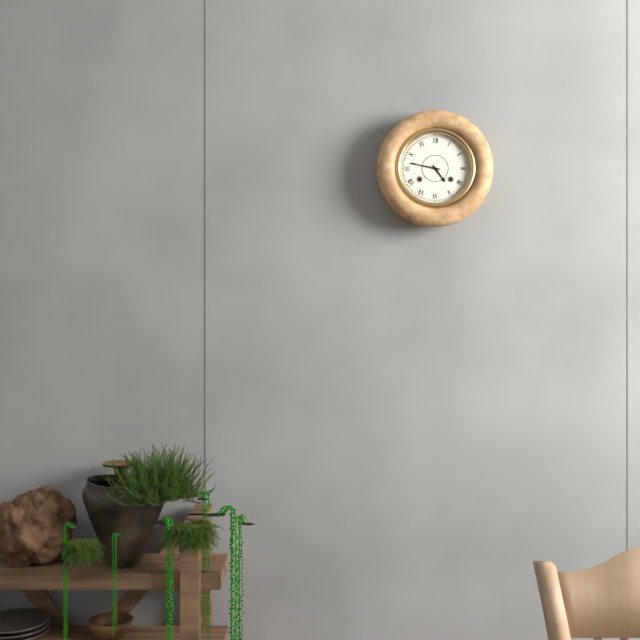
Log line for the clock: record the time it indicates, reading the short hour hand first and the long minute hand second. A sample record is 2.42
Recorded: 4.47
